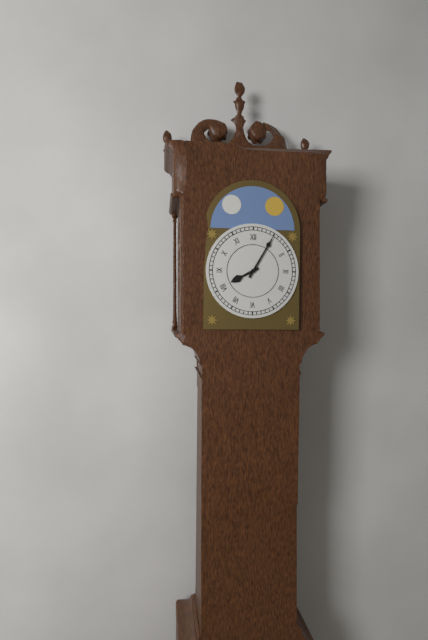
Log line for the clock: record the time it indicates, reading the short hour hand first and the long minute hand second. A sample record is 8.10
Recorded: 8.05
